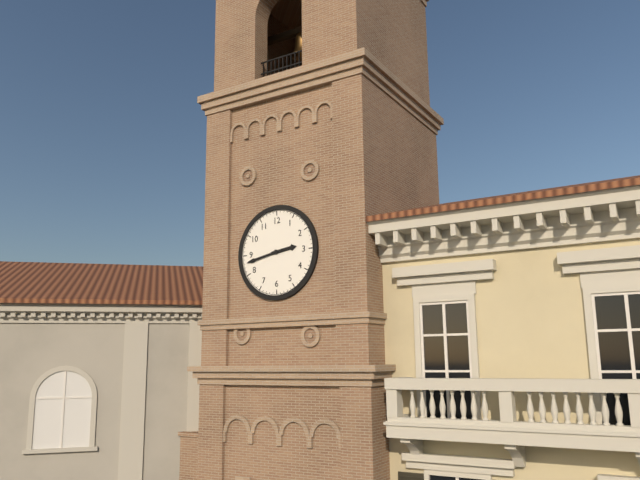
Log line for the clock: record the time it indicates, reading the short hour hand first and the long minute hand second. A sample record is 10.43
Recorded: 2.43
